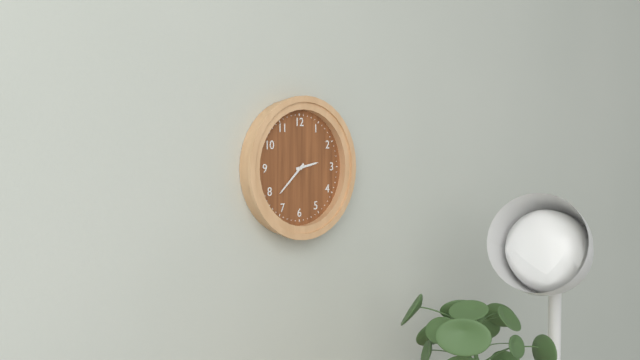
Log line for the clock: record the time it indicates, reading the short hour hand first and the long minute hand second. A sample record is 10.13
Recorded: 2.38
